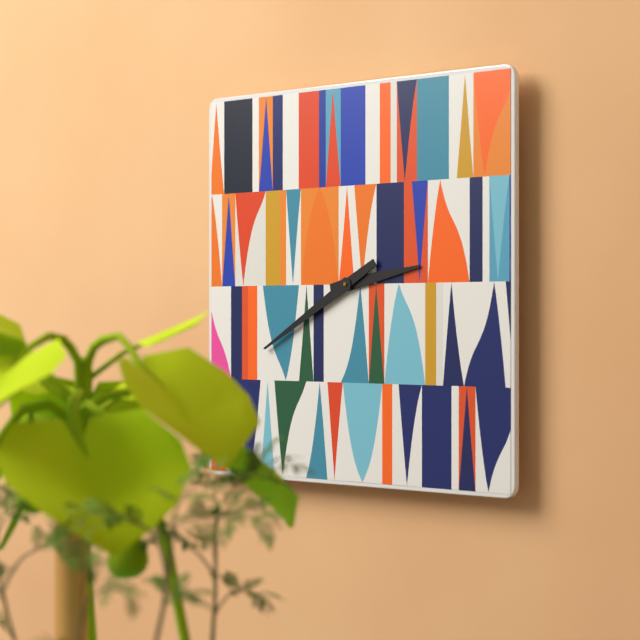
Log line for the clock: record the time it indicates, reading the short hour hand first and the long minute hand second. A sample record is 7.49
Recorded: 2.40
